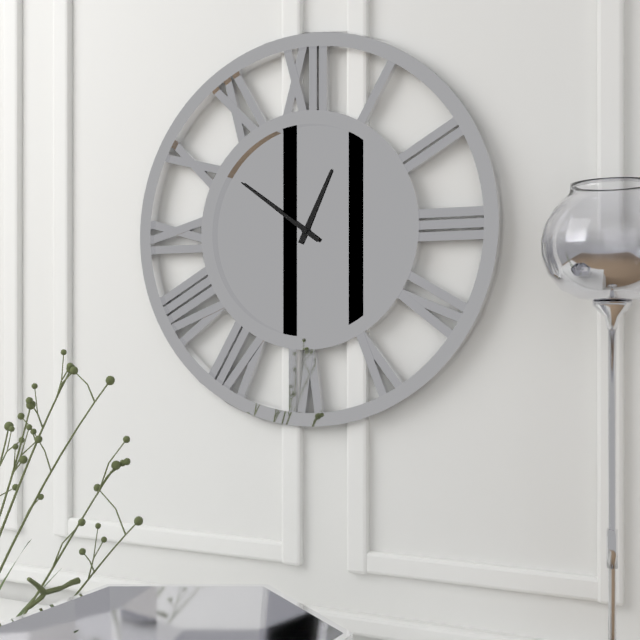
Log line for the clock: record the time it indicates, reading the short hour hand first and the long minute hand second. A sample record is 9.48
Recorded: 12.51
